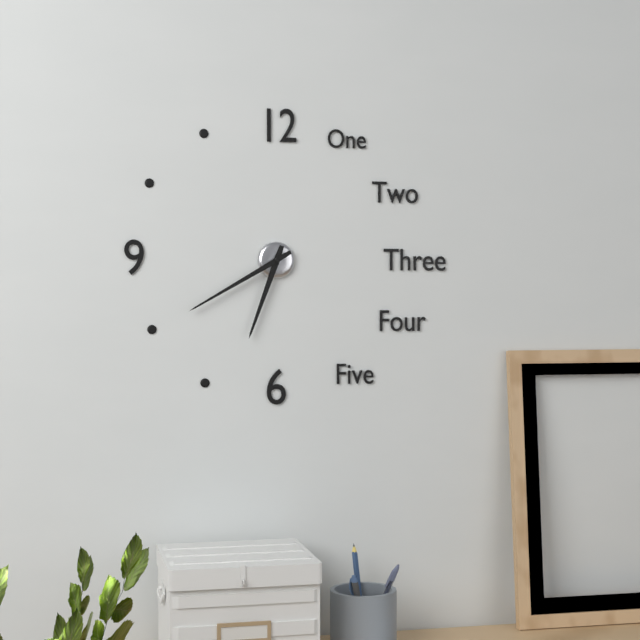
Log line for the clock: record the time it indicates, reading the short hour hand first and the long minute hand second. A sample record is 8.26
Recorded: 6.40
